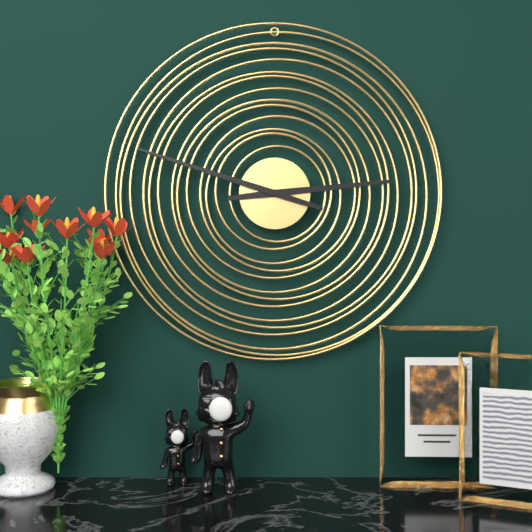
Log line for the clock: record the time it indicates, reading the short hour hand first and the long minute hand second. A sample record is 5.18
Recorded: 2.48
